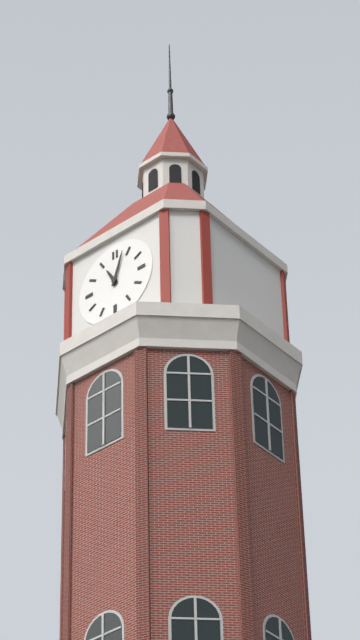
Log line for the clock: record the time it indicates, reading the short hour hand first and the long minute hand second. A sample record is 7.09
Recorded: 11.03
